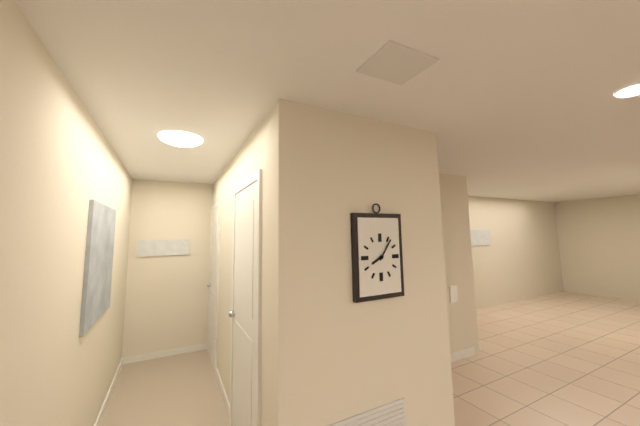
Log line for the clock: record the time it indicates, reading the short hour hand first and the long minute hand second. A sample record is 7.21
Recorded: 8.06
